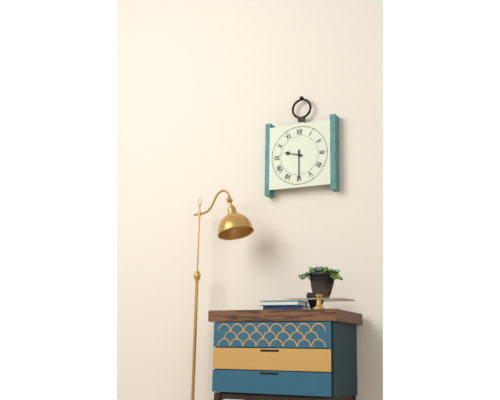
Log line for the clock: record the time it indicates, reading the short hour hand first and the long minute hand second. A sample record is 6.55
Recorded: 9.30
